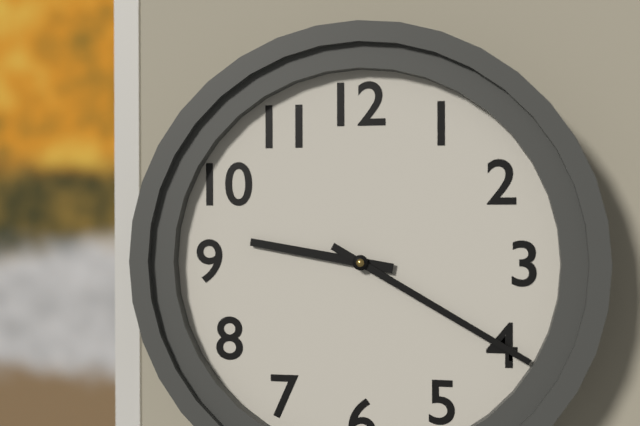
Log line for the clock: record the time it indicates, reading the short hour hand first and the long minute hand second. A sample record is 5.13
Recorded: 9.20
